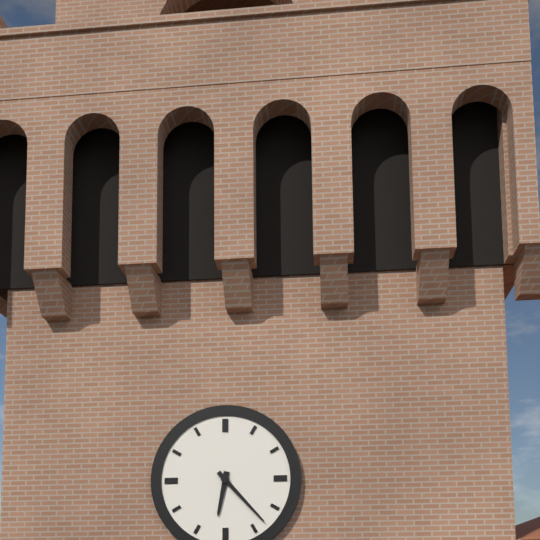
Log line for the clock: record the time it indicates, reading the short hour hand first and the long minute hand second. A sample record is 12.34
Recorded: 6.23
